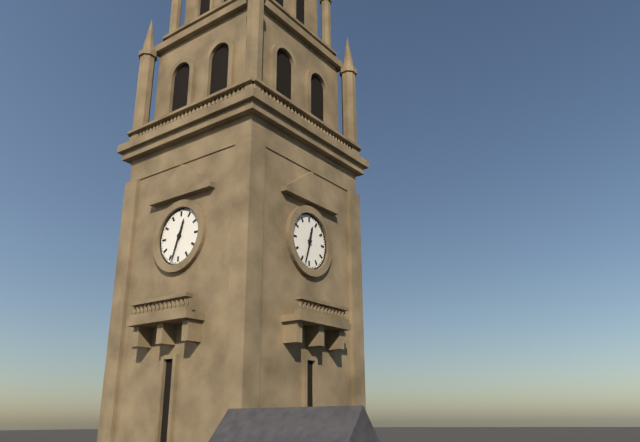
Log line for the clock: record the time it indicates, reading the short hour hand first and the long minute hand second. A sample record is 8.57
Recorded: 12.33
